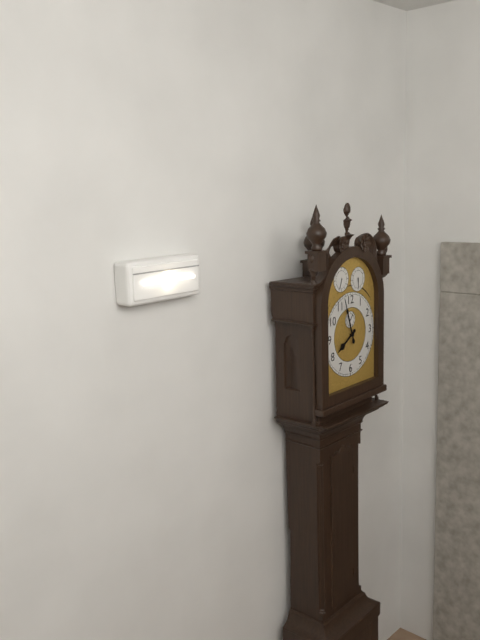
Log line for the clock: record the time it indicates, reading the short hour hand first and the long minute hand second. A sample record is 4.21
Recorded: 7.57
